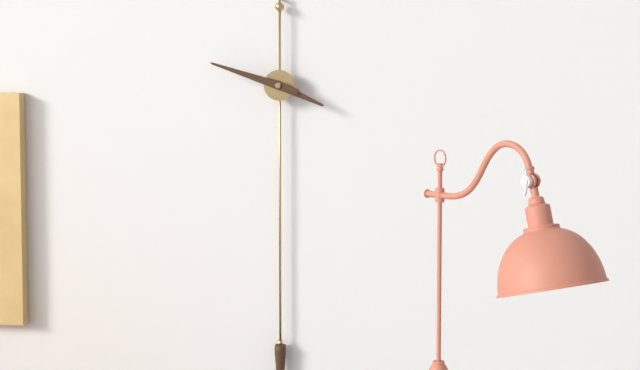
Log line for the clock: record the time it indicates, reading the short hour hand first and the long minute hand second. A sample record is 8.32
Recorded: 3.48
